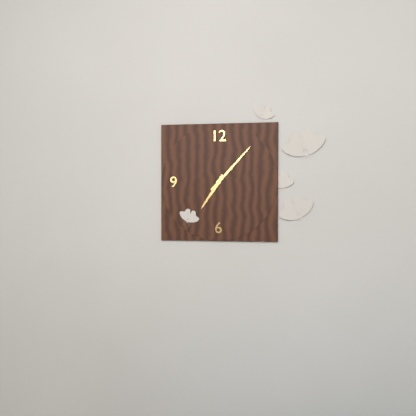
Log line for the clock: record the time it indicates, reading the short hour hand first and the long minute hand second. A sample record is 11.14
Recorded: 7.07
